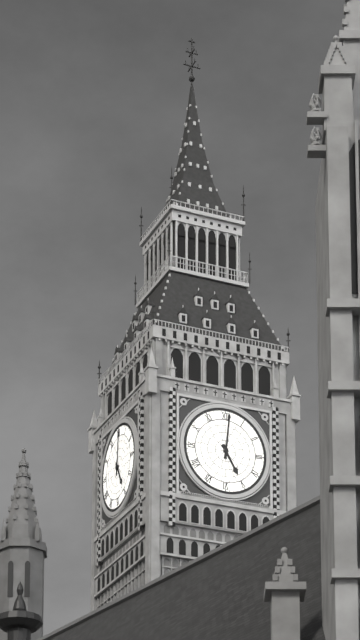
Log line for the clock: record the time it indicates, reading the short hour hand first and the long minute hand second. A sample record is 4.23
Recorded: 5.01
